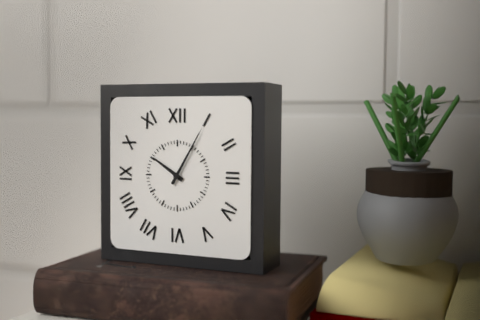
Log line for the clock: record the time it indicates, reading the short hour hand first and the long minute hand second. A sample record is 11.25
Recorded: 10.05
